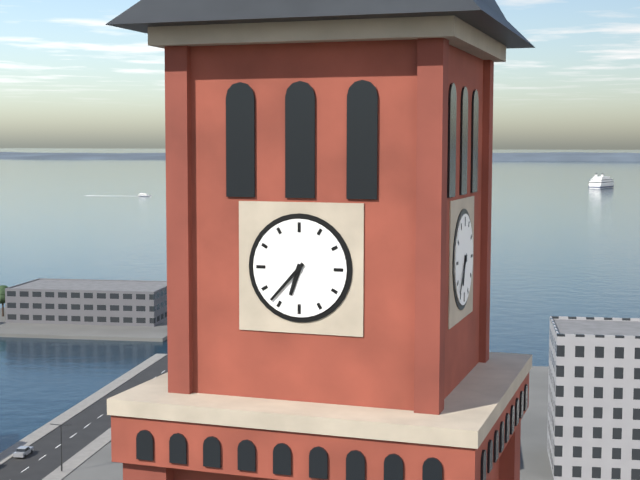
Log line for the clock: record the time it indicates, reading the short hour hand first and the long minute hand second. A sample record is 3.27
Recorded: 6.37
